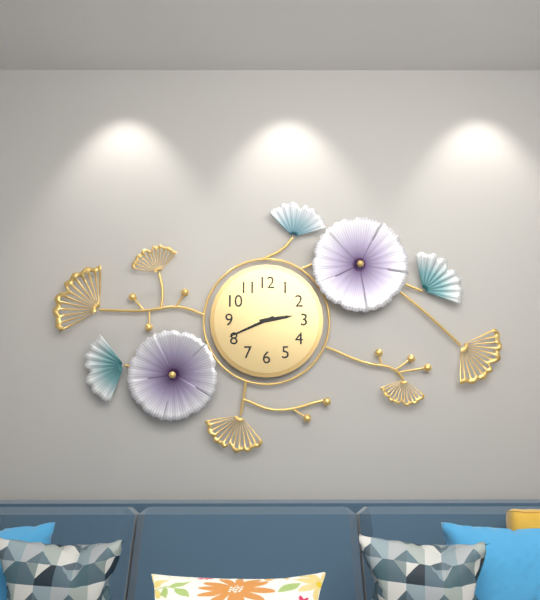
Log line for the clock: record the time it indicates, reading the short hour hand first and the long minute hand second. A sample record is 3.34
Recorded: 2.41
